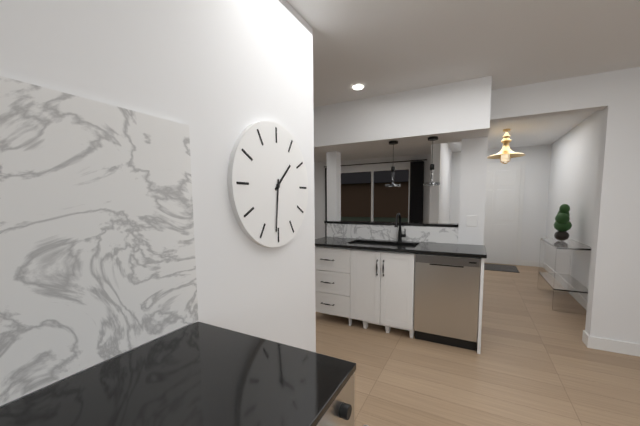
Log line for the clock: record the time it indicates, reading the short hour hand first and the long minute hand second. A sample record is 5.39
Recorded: 1.31
